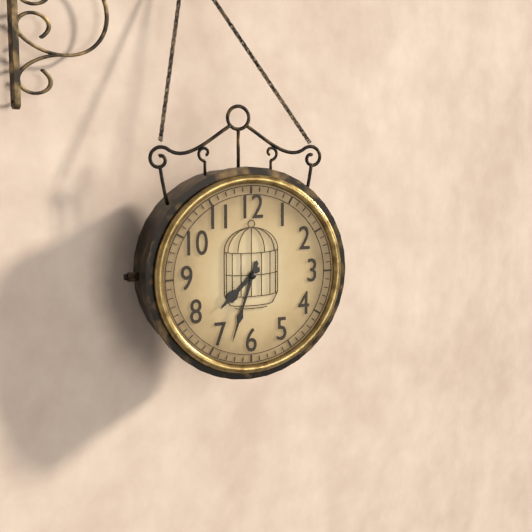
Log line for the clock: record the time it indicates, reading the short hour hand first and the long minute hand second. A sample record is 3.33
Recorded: 7.33
